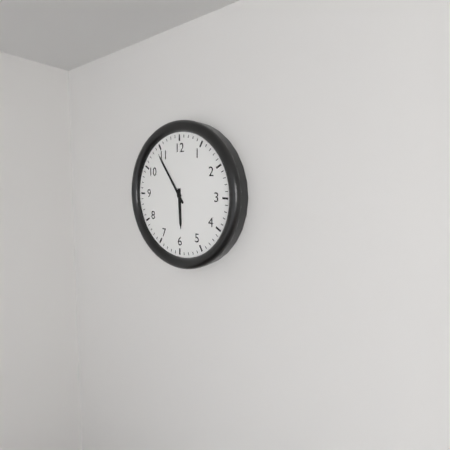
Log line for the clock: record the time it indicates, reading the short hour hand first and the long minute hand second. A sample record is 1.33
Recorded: 5.54
